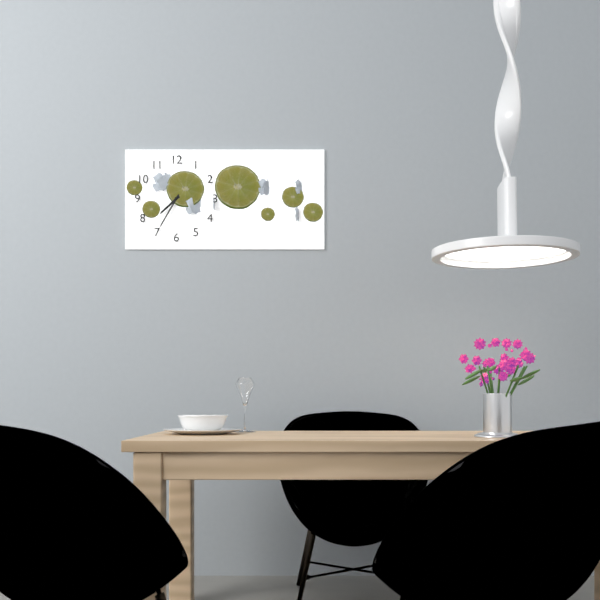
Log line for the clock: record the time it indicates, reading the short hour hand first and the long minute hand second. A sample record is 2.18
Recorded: 7.35
